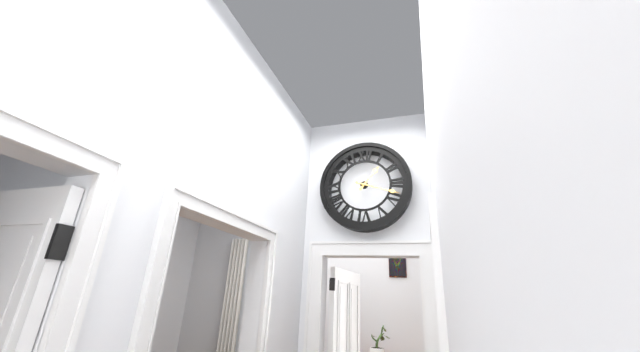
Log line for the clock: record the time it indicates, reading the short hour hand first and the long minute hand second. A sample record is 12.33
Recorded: 1.18
